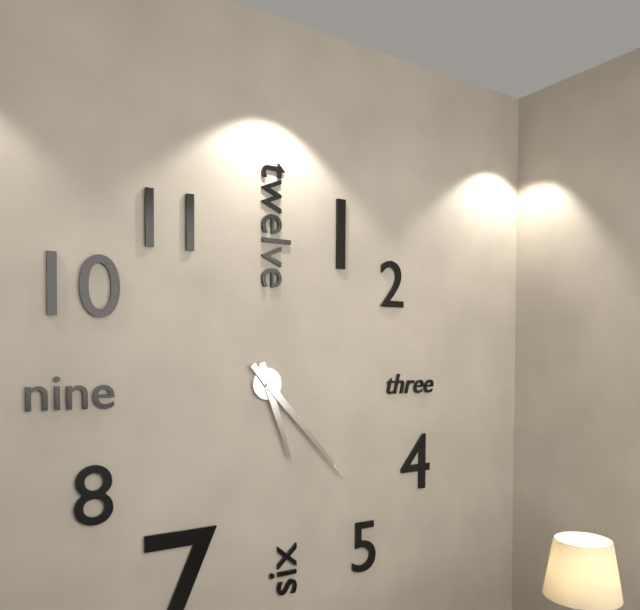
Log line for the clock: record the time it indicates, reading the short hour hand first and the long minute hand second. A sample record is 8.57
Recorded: 5.23
